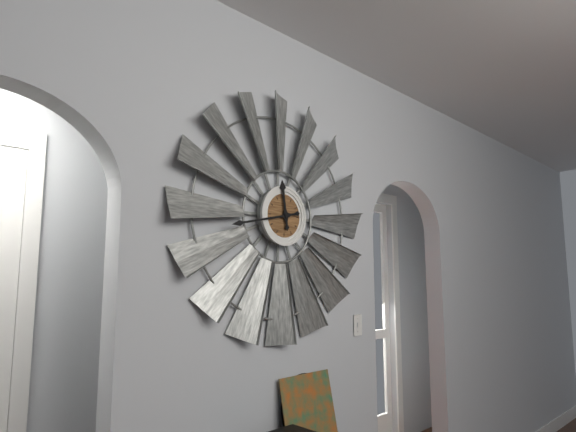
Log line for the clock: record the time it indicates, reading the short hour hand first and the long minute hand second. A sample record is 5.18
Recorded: 11.43
